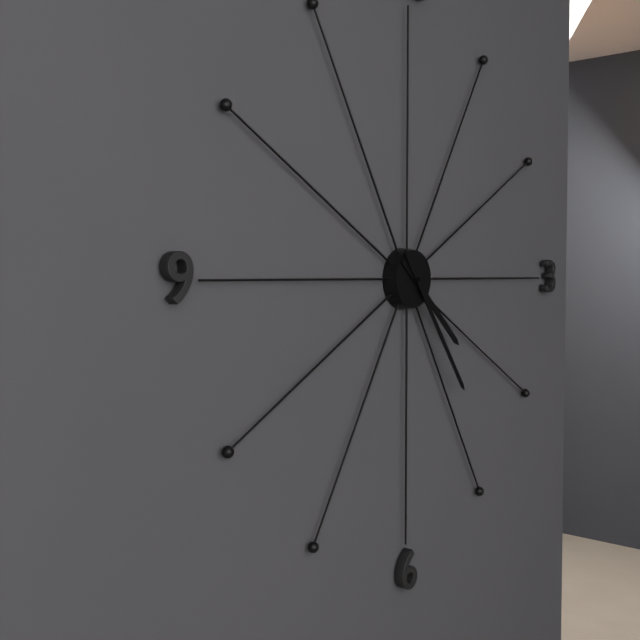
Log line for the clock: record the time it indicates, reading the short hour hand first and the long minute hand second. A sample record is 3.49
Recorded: 4.24
